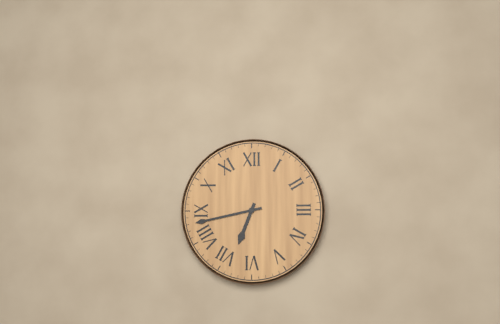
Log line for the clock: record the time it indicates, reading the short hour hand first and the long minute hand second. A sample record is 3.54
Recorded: 6.43
